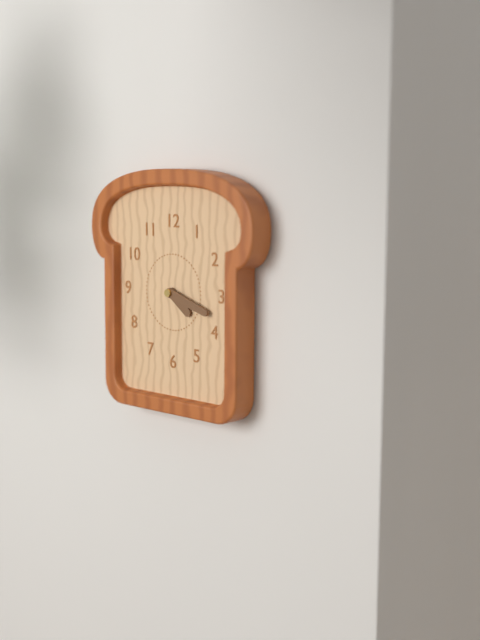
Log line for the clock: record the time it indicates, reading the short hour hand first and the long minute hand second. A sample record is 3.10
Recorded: 4.18
